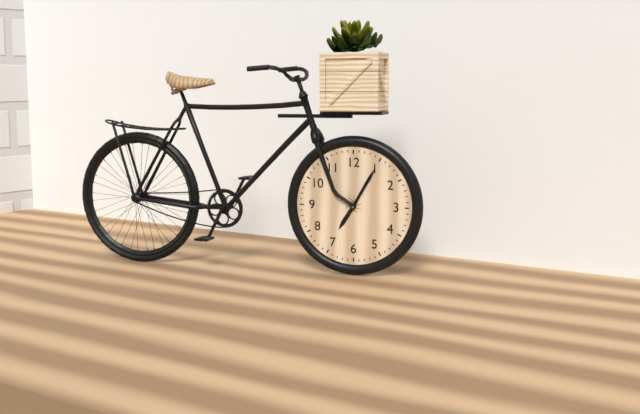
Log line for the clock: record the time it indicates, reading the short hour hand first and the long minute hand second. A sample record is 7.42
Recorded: 7.05
